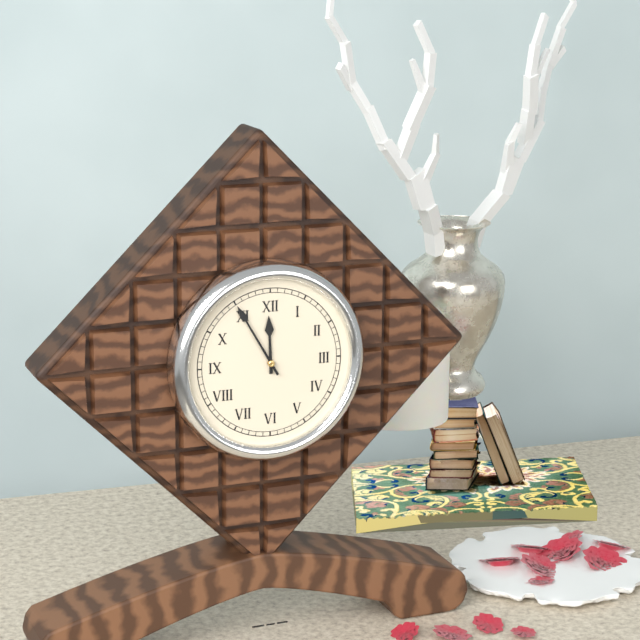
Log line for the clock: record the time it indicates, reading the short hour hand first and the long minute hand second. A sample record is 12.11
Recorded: 11.55
